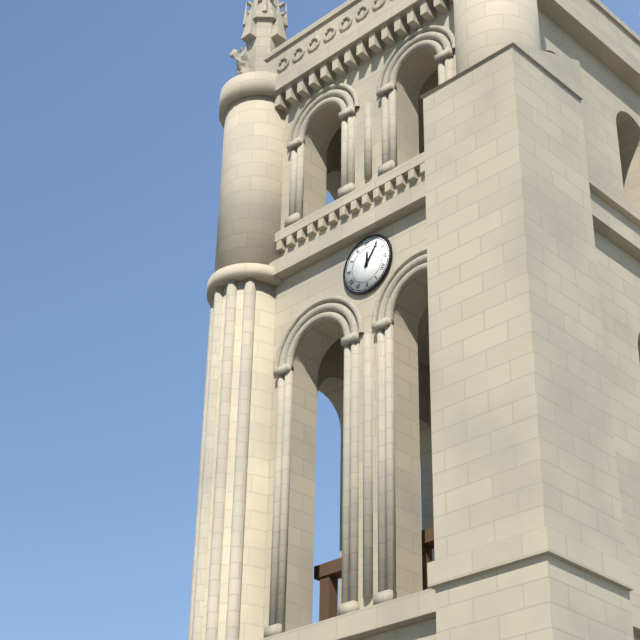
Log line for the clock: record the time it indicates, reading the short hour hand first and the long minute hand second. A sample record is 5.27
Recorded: 12.06
